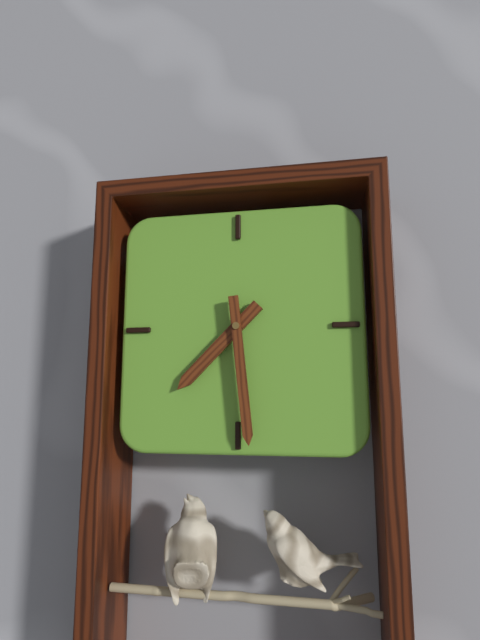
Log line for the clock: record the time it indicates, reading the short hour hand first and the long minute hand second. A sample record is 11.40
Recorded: 7.29
